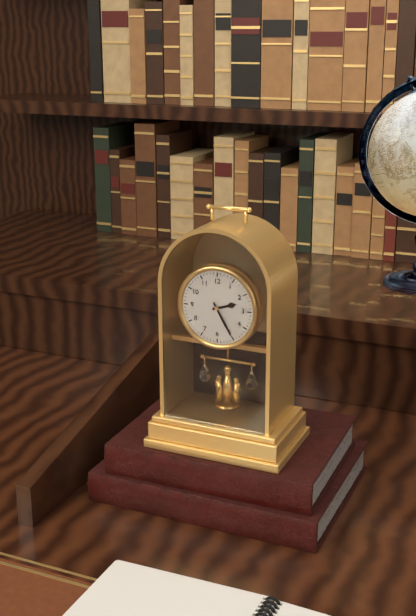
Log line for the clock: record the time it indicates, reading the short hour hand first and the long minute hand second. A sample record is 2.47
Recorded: 2.25
